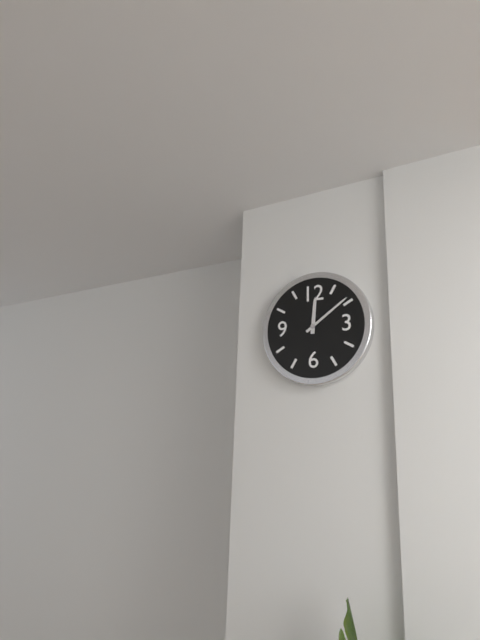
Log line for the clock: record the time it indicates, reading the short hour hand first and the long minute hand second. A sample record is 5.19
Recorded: 12.09
